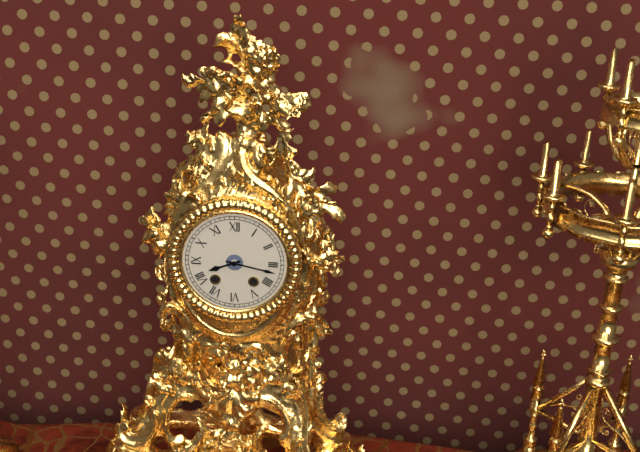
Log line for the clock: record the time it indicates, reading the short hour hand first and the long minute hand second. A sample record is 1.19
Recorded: 8.17
